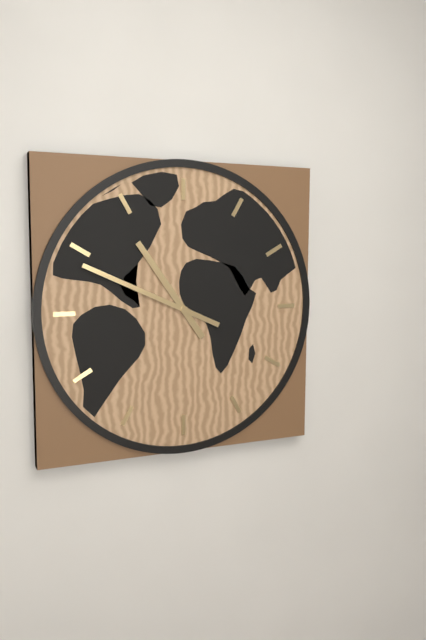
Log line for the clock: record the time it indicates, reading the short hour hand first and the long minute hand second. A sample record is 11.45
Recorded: 10.49
